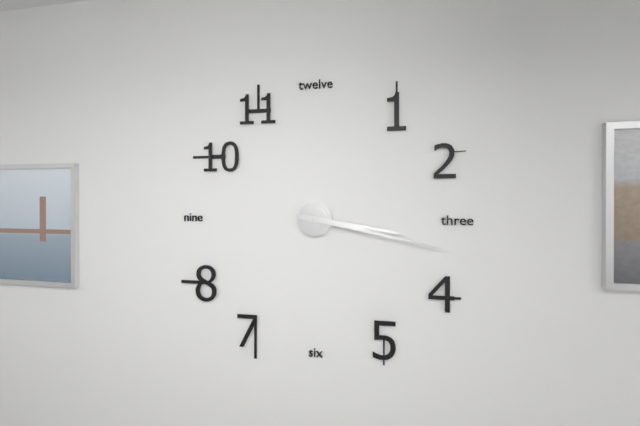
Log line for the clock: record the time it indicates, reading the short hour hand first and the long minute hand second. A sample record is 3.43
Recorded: 3.17
